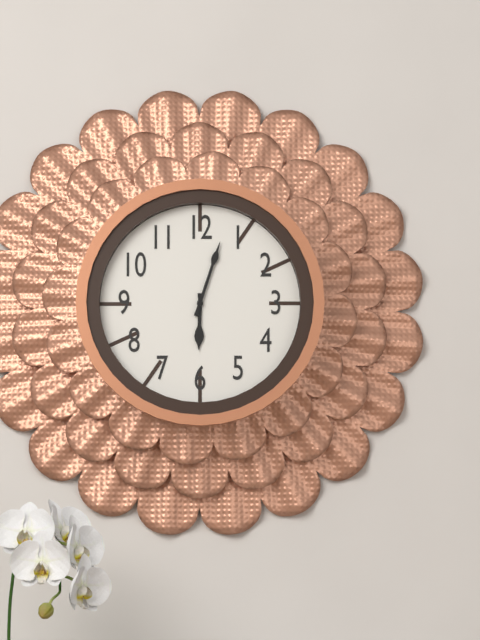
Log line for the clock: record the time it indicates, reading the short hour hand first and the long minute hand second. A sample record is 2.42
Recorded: 6.03
